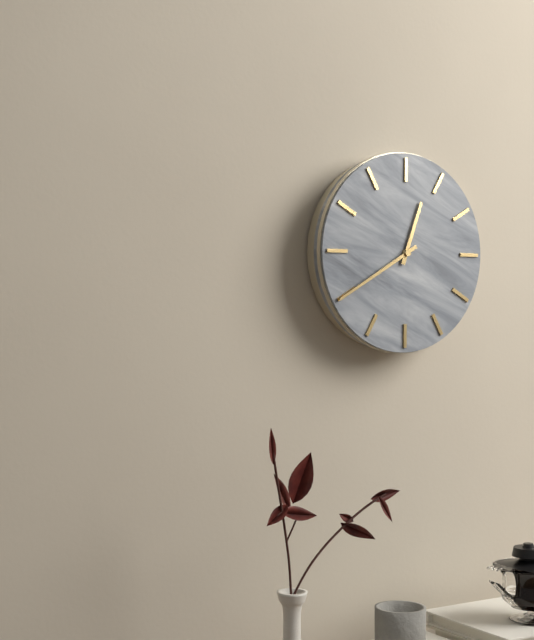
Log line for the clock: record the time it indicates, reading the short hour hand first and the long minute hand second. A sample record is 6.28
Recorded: 12.40
